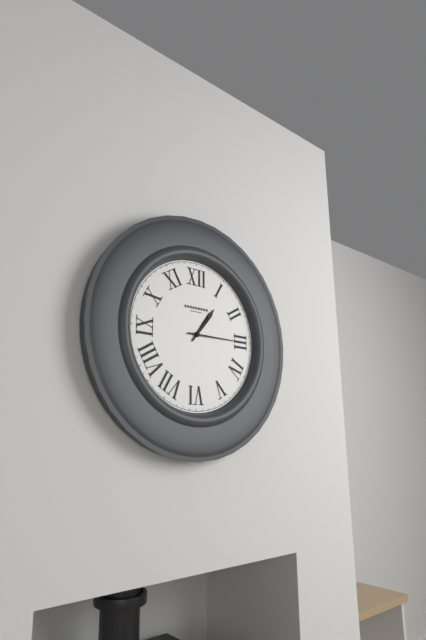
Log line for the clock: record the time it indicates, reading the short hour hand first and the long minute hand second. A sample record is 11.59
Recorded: 1.15
